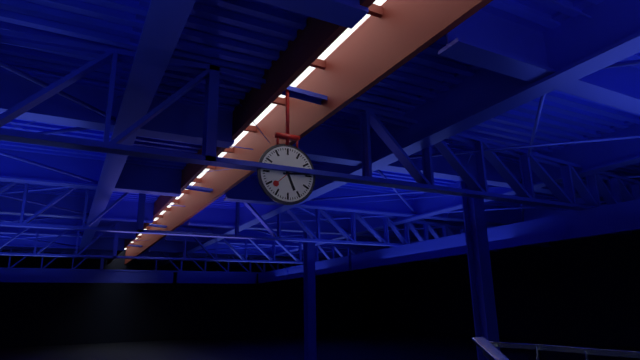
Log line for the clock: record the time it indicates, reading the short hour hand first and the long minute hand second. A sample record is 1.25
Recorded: 5.14
